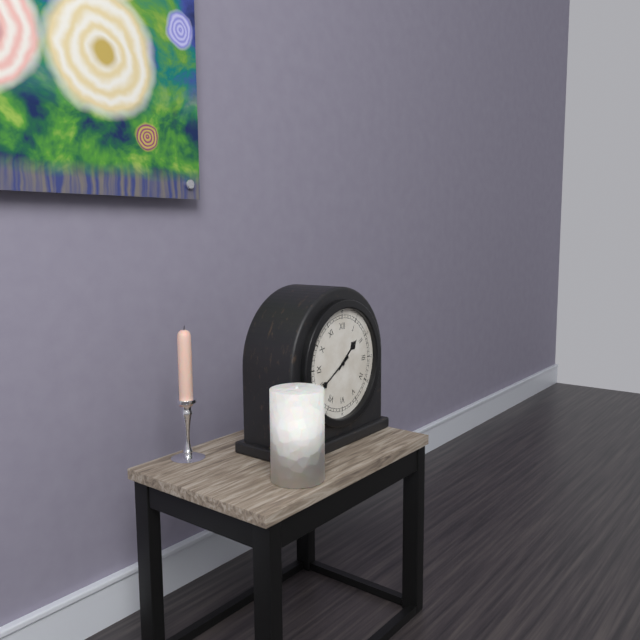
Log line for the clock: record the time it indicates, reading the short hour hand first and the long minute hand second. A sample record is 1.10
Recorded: 1.40
